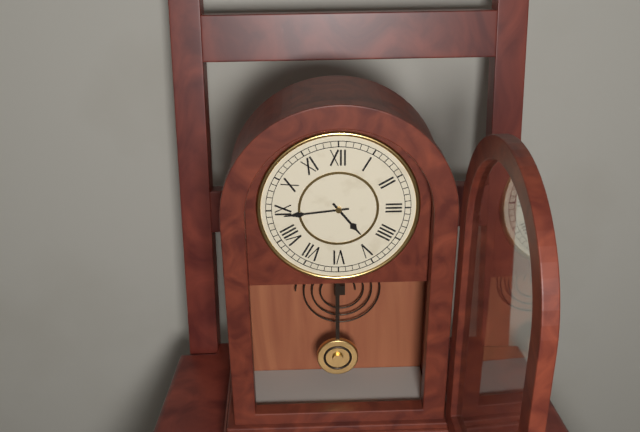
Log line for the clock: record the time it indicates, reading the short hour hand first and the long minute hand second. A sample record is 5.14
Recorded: 4.44
